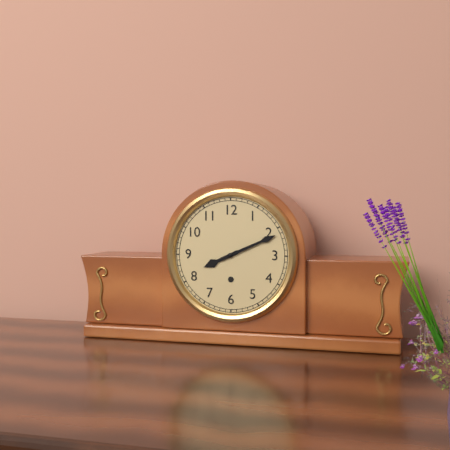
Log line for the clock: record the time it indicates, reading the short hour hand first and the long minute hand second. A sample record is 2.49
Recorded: 8.11
